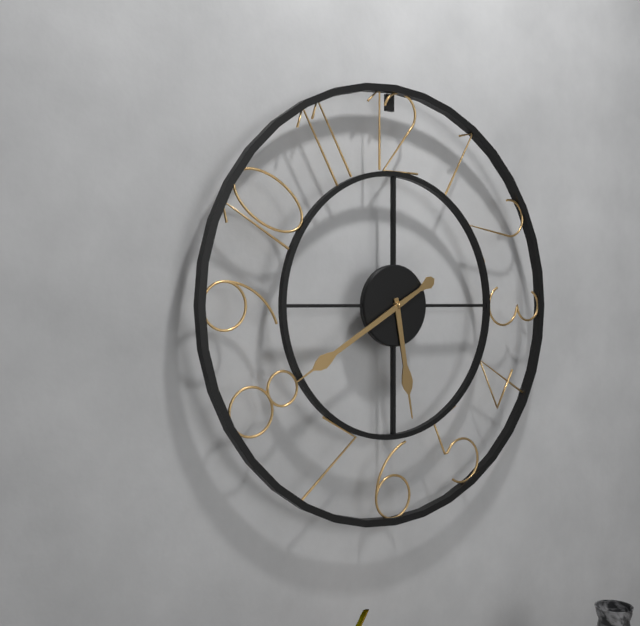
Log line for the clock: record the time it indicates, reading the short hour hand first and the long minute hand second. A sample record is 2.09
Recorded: 5.40
